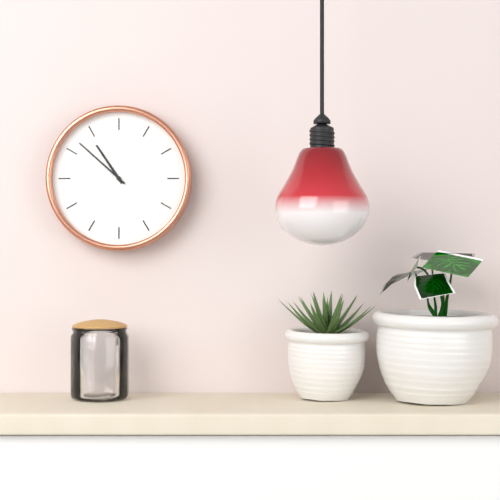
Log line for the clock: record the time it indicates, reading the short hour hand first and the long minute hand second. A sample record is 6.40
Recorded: 10.52
